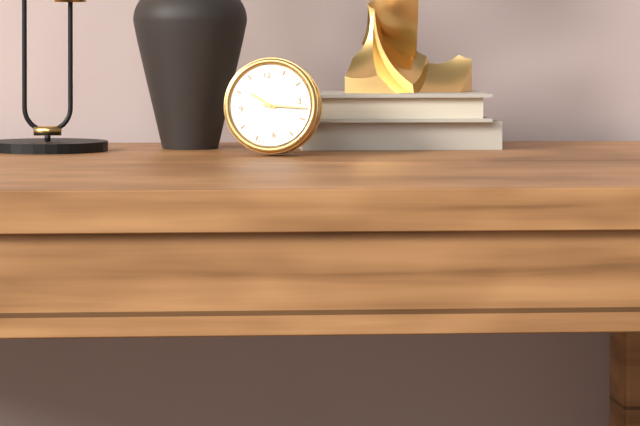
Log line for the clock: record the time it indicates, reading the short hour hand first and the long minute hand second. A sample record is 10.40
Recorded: 10.17
